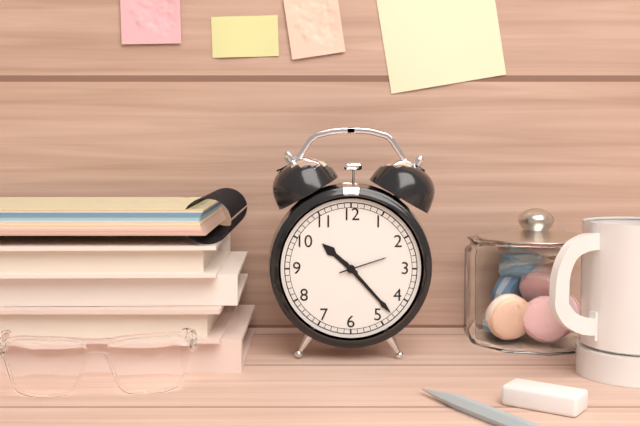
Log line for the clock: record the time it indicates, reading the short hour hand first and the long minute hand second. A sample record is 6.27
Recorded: 10.23
